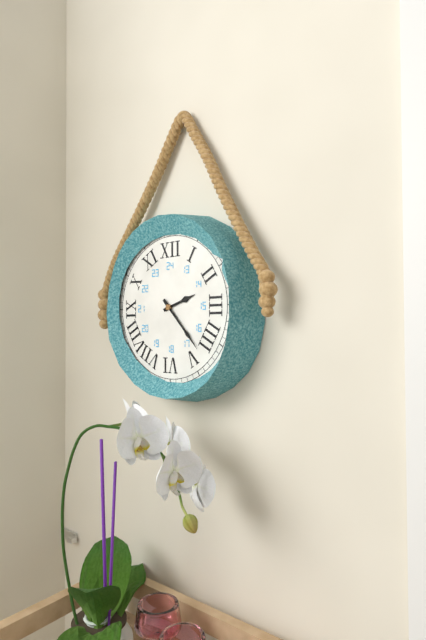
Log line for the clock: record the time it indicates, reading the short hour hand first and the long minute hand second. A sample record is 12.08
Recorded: 2.23
